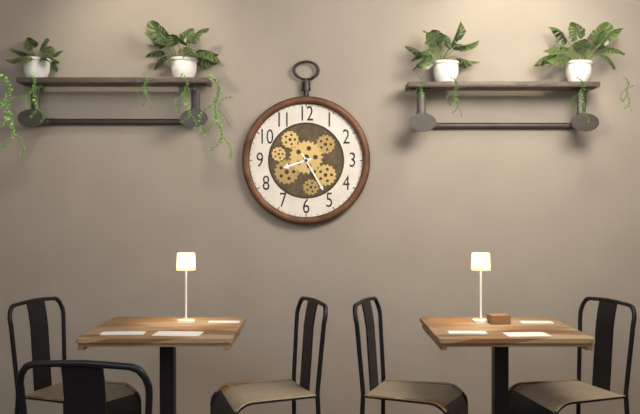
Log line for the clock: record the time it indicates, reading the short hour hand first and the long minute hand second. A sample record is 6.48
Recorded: 8.25
